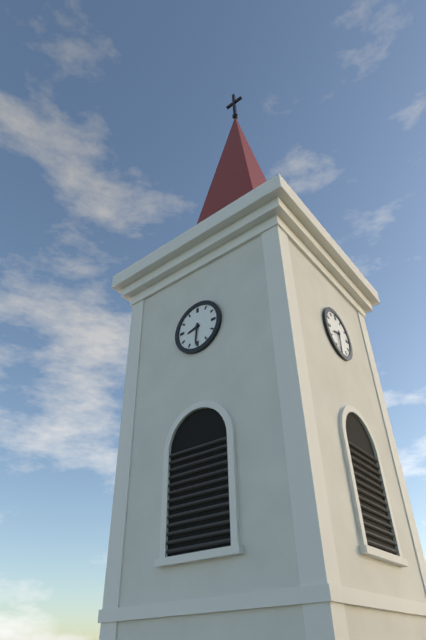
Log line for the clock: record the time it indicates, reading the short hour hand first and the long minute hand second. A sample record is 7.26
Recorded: 8.31
